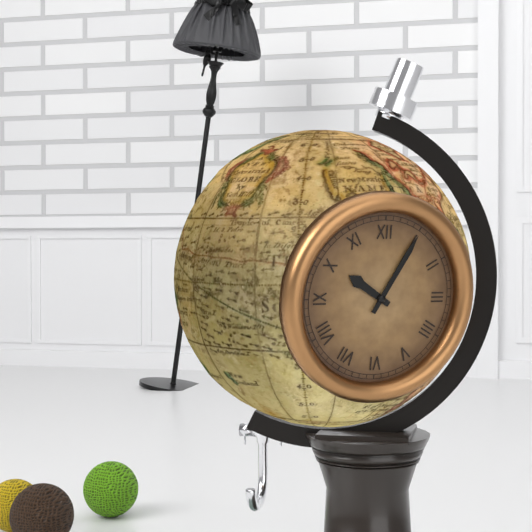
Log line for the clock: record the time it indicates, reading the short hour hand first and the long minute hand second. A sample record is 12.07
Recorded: 10.05
